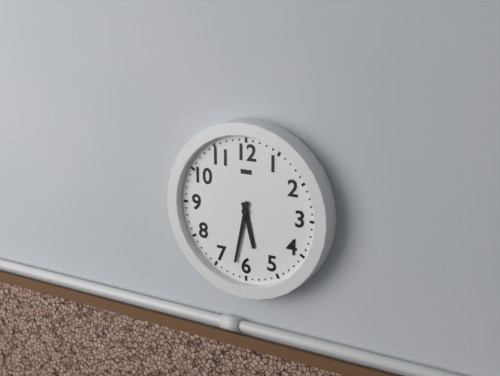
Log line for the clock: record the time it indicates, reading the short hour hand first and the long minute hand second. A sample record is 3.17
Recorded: 5.32
